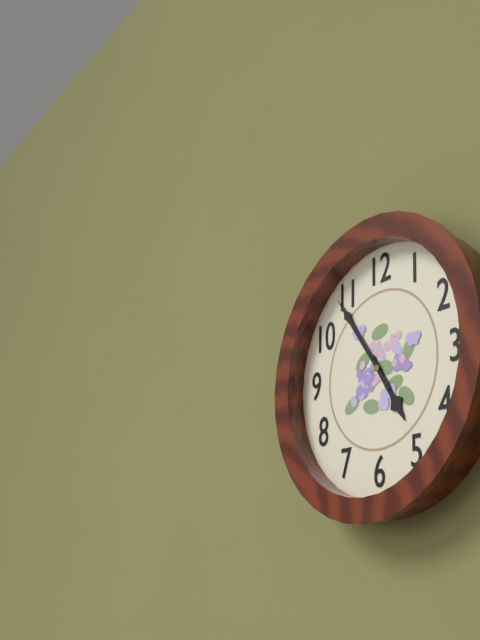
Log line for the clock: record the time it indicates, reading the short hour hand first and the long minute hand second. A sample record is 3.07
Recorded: 4.54
